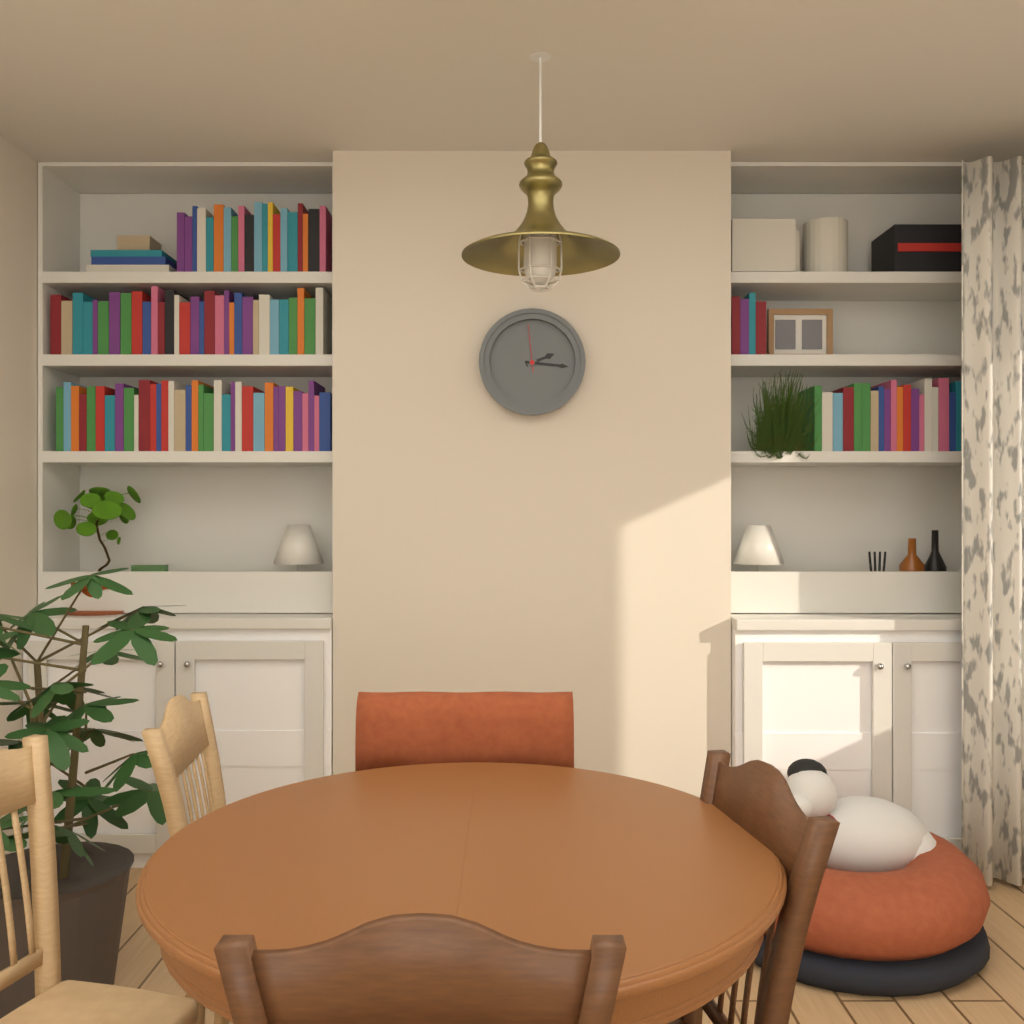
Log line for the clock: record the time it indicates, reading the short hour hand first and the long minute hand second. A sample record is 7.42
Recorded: 2.16
